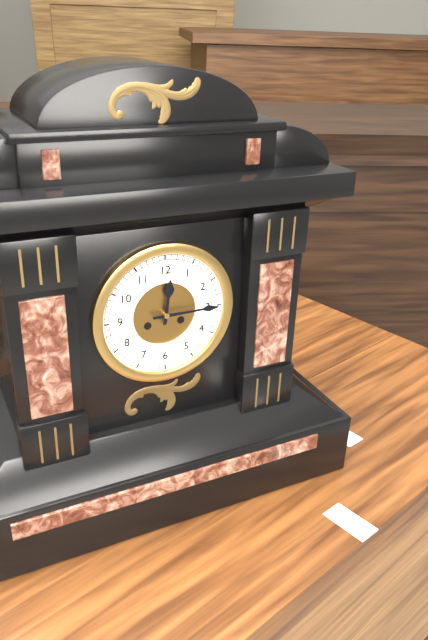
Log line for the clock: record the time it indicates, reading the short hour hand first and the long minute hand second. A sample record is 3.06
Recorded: 12.15
